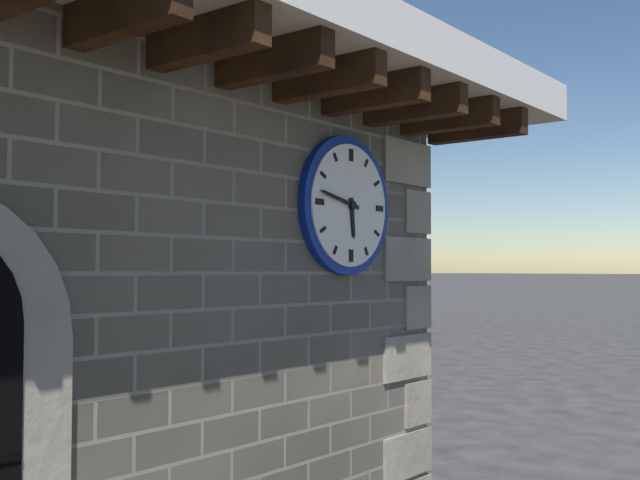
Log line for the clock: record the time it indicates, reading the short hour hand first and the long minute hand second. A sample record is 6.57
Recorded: 5.47
